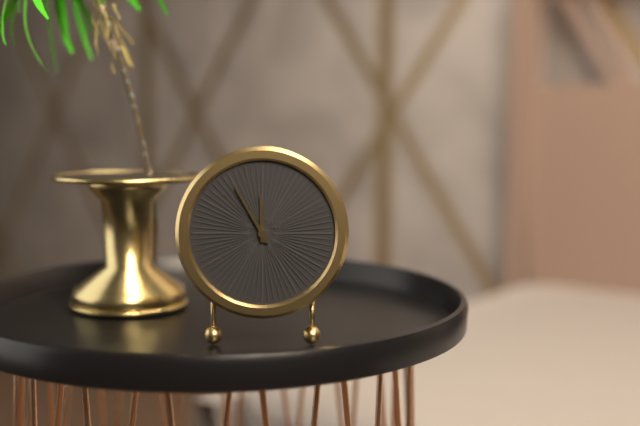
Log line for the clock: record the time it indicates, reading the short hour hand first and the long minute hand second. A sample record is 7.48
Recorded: 11.55
